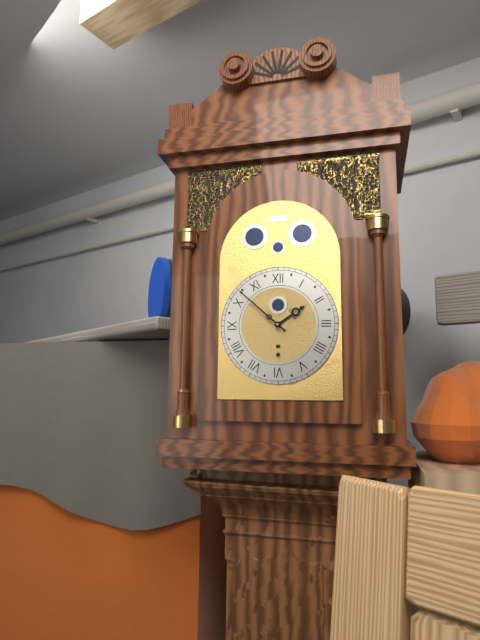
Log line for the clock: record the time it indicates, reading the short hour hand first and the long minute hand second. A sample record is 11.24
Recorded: 1.52
